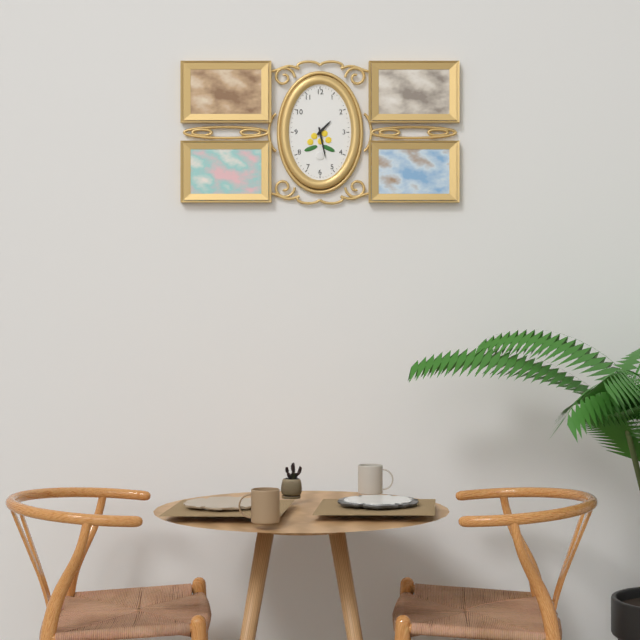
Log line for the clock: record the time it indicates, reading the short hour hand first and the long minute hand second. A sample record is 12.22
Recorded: 1.28
